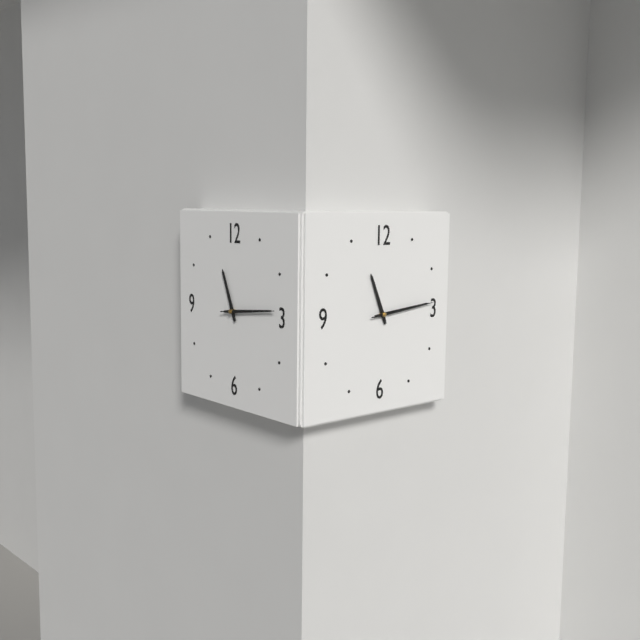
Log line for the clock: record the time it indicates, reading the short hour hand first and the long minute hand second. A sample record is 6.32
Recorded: 11.14
